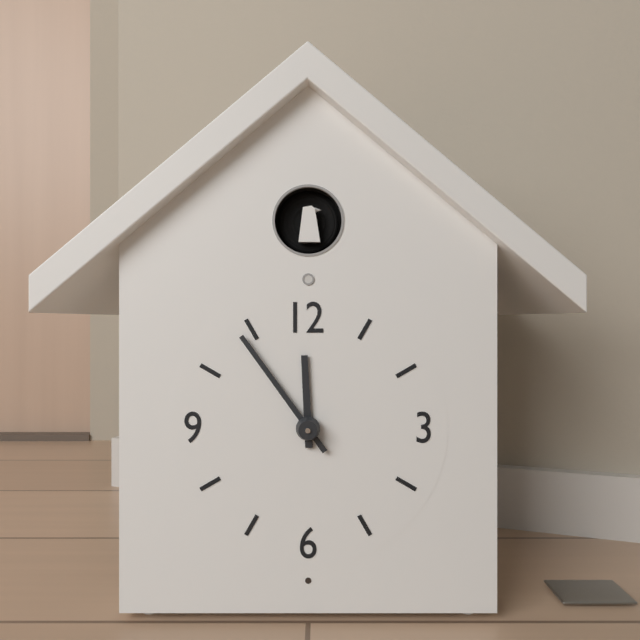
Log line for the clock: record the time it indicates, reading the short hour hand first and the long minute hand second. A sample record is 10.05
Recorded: 11.54
